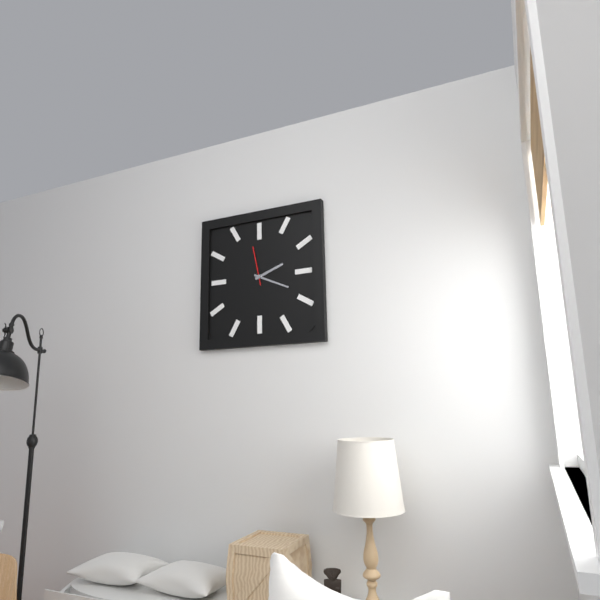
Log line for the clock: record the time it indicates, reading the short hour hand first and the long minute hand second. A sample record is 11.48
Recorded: 2.19
